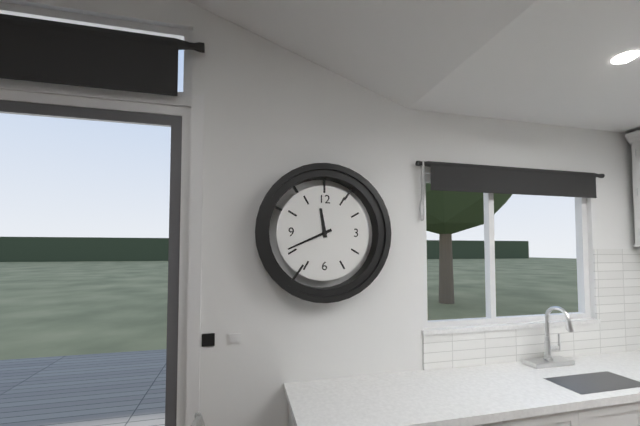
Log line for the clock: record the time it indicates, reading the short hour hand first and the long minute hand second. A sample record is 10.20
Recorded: 11.41
